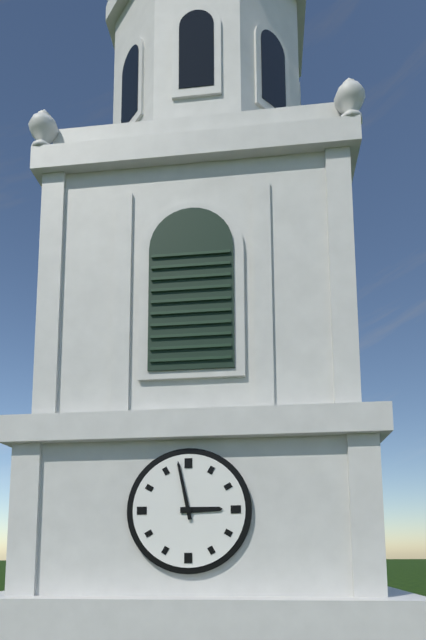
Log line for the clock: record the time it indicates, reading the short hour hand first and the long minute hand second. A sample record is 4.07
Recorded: 2.58
